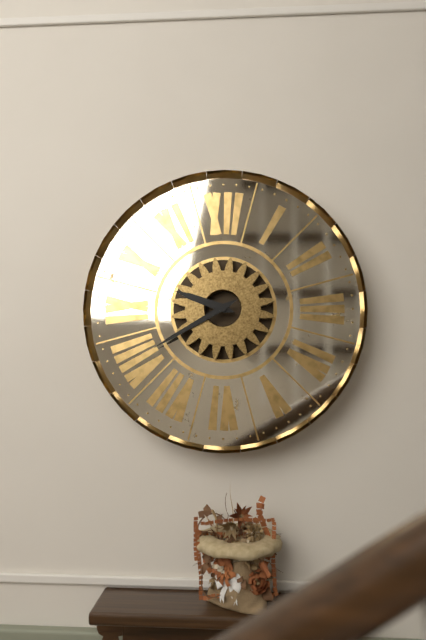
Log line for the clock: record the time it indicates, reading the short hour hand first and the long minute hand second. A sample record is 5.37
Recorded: 9.40
